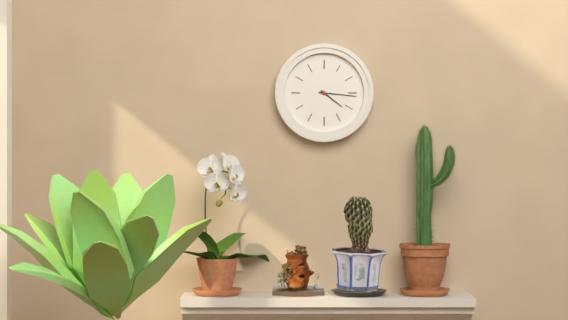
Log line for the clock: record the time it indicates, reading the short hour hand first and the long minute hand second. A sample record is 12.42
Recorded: 4.16
